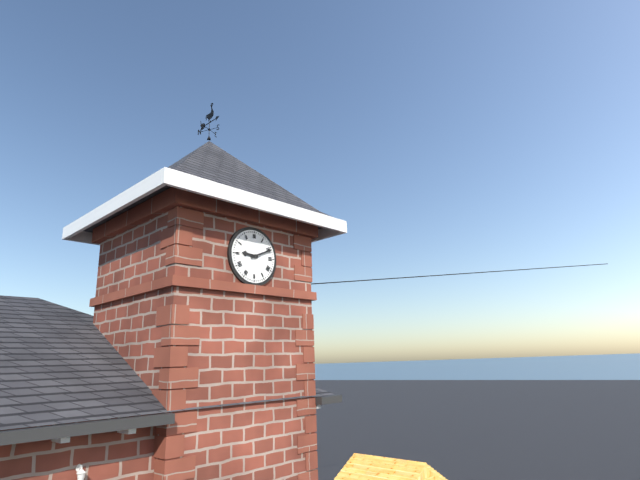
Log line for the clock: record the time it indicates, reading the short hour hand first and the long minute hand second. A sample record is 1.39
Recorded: 9.11
